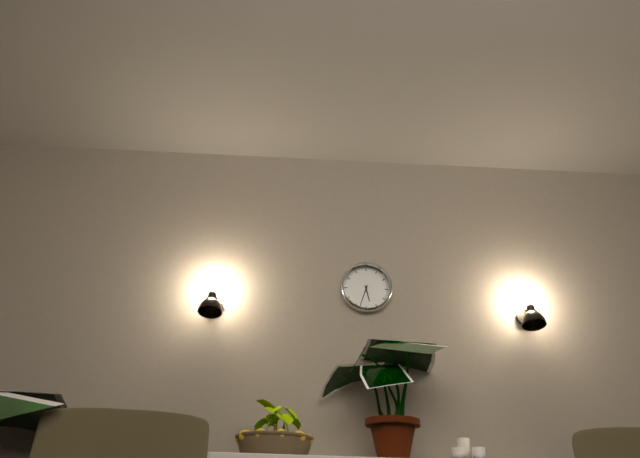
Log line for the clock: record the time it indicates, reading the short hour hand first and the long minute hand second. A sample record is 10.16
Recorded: 5.33
